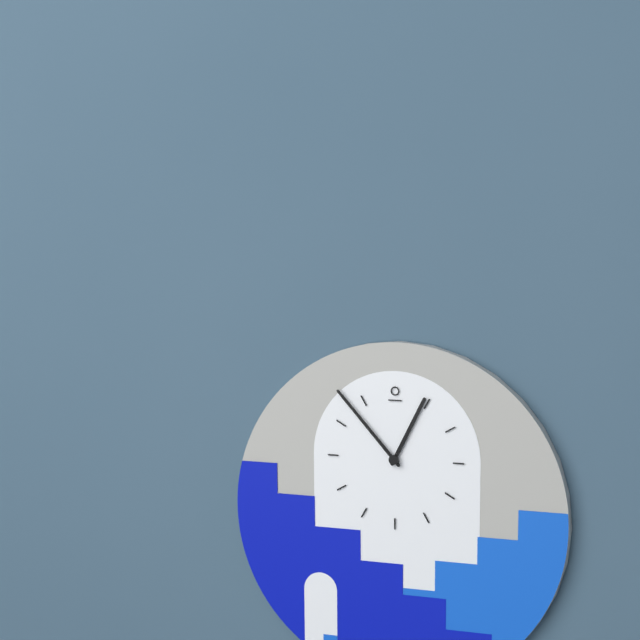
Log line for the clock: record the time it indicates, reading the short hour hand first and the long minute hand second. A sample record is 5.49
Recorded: 12.53
